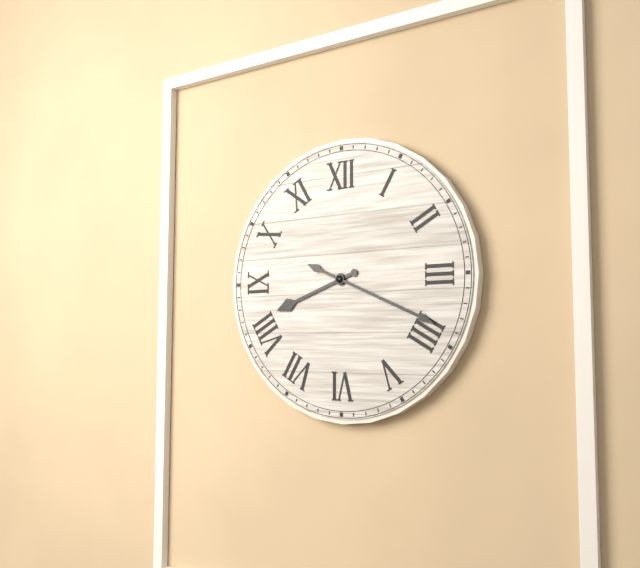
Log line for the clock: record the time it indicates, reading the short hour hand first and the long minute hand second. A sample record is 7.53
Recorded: 8.19
